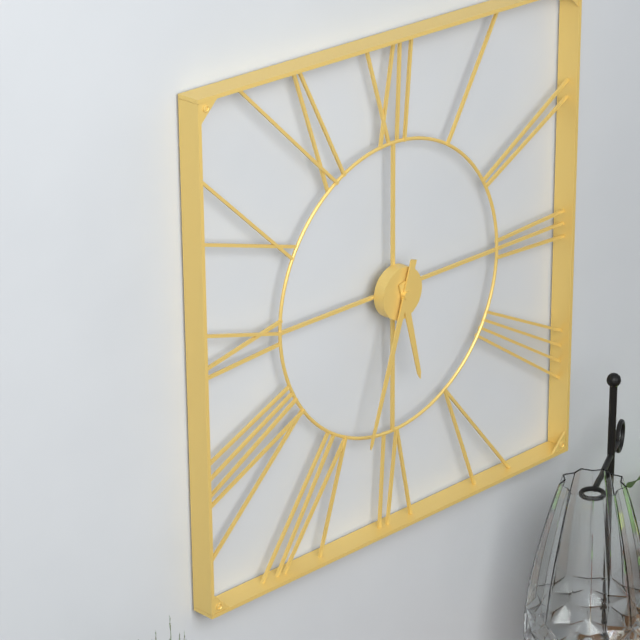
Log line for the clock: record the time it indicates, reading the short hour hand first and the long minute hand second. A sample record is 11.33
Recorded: 5.33
